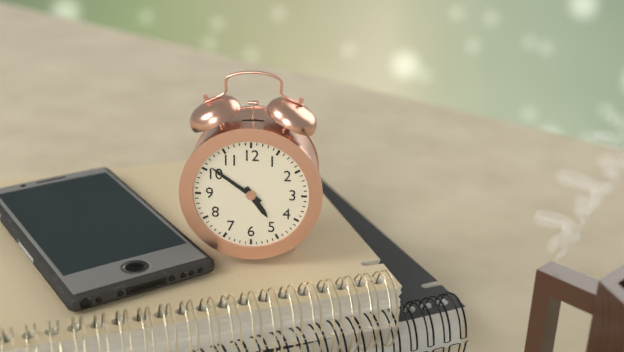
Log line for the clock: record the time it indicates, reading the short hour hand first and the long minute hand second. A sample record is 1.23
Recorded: 4.51
